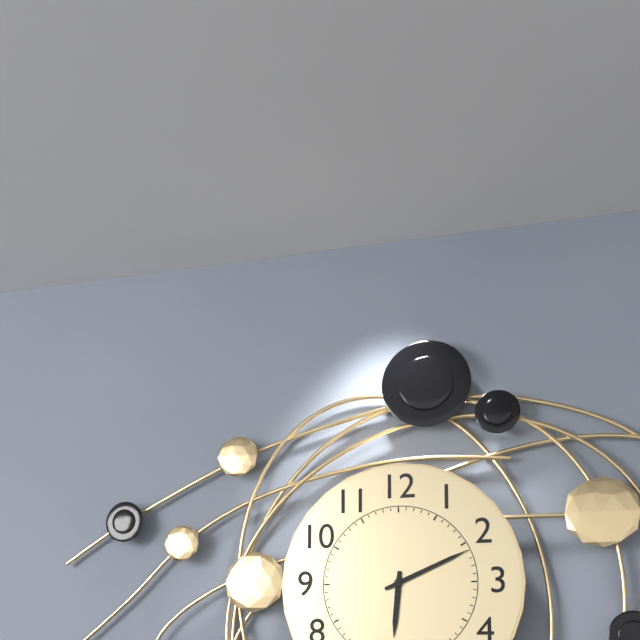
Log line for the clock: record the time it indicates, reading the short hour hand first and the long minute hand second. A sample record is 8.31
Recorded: 6.11
